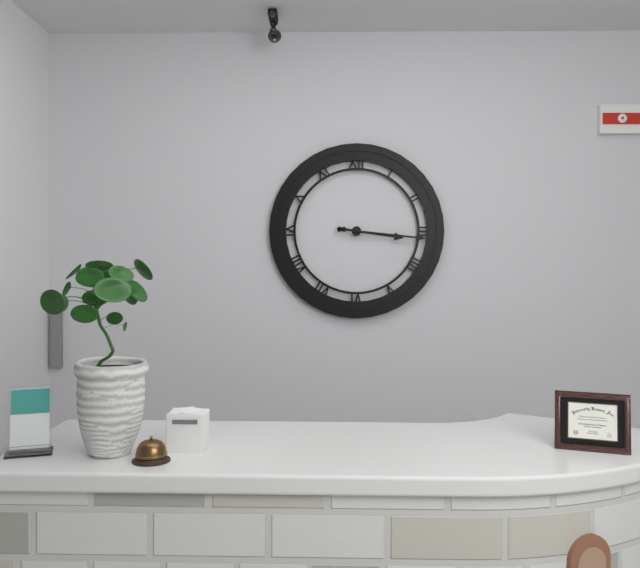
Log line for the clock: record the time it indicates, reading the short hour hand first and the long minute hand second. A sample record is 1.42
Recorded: 3.16
